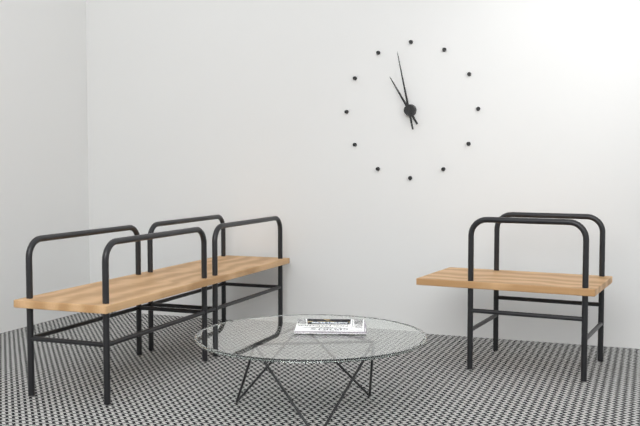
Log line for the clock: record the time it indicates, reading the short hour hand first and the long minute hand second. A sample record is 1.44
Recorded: 10.58
